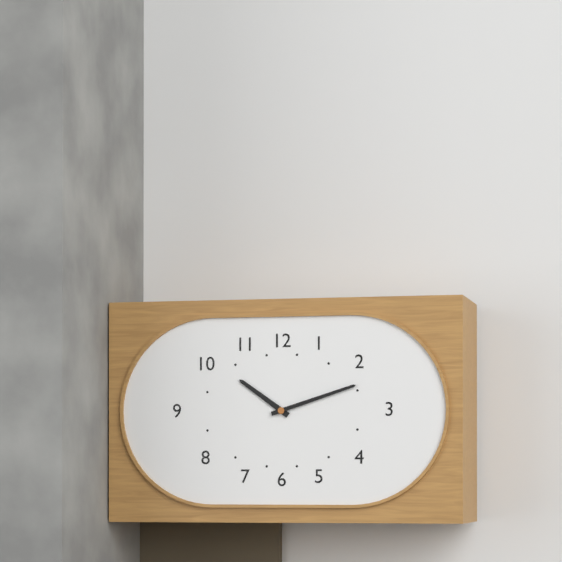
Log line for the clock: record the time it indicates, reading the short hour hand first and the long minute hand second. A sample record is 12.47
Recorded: 10.12
